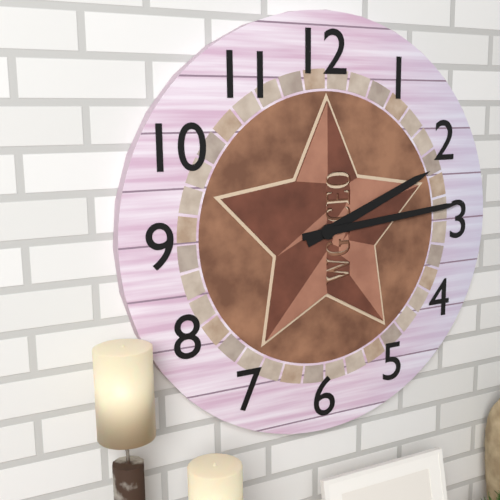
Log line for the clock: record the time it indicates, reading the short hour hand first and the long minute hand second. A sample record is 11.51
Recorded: 2.14
